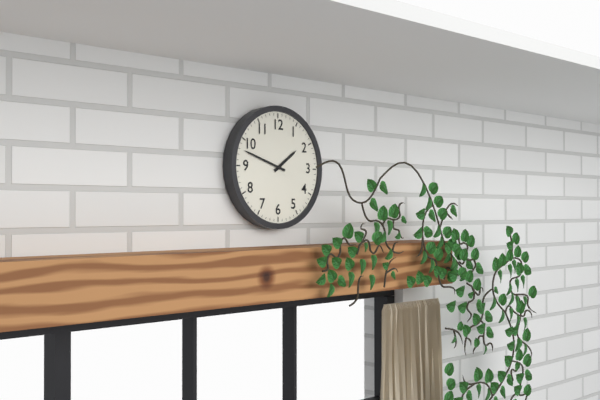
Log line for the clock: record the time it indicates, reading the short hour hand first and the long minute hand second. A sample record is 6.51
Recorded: 1.48
